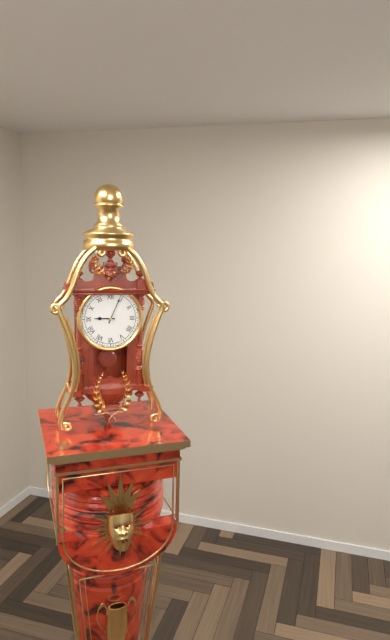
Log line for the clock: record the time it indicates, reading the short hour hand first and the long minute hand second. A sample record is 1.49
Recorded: 9.04
